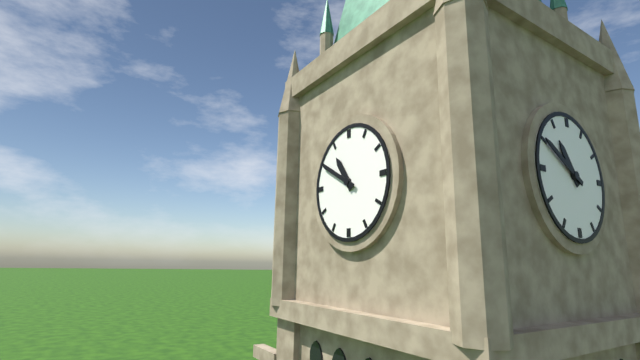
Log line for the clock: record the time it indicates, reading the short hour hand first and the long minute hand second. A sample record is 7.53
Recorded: 10.50
